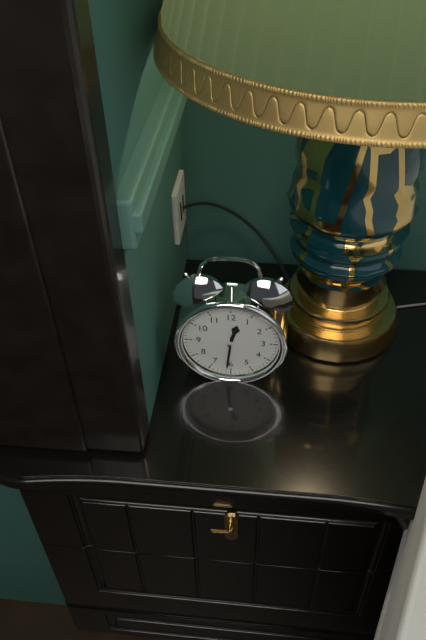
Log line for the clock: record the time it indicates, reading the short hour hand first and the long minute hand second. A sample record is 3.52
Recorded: 12.31
